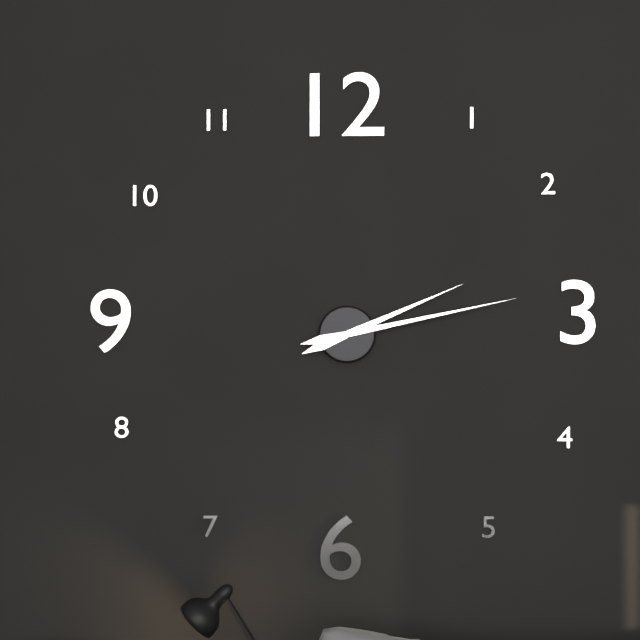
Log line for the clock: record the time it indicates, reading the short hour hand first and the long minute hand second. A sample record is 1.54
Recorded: 2.13
